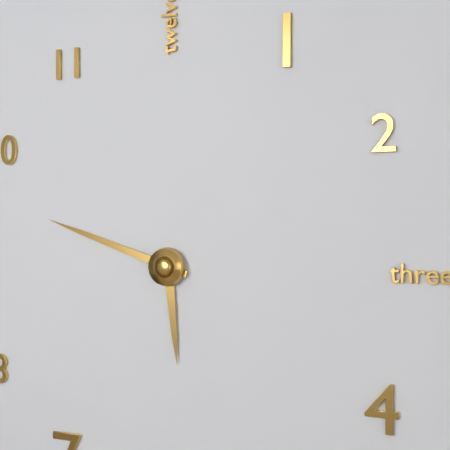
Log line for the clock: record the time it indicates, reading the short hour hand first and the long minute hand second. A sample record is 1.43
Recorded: 5.48
